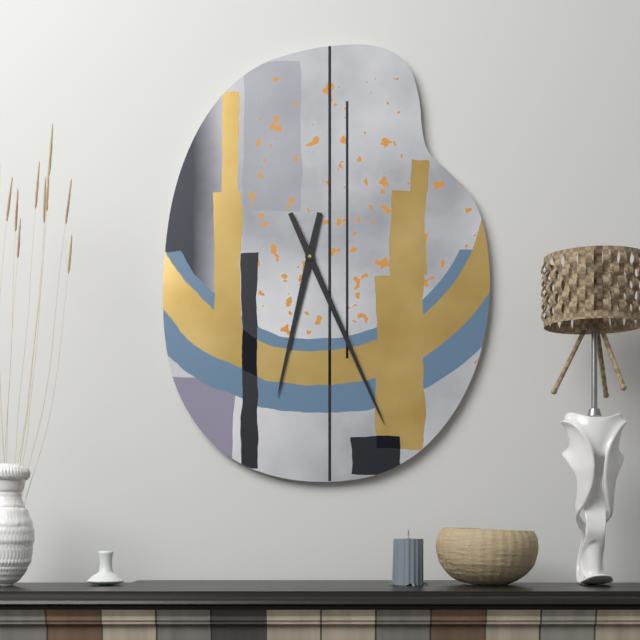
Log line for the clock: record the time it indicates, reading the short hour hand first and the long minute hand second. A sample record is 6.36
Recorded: 6.26
